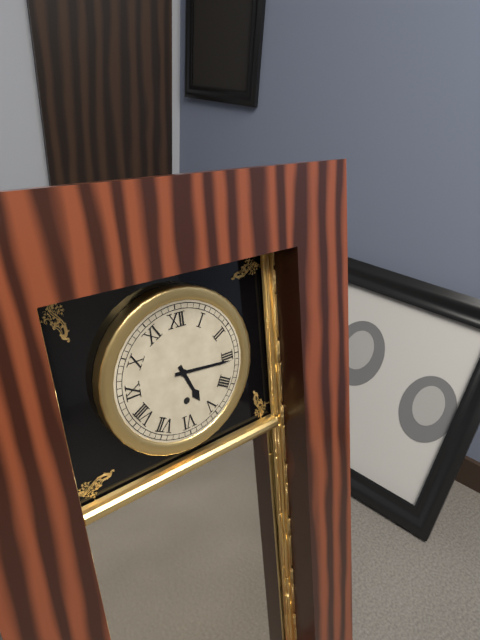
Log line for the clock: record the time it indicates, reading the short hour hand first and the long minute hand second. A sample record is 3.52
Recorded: 5.16
